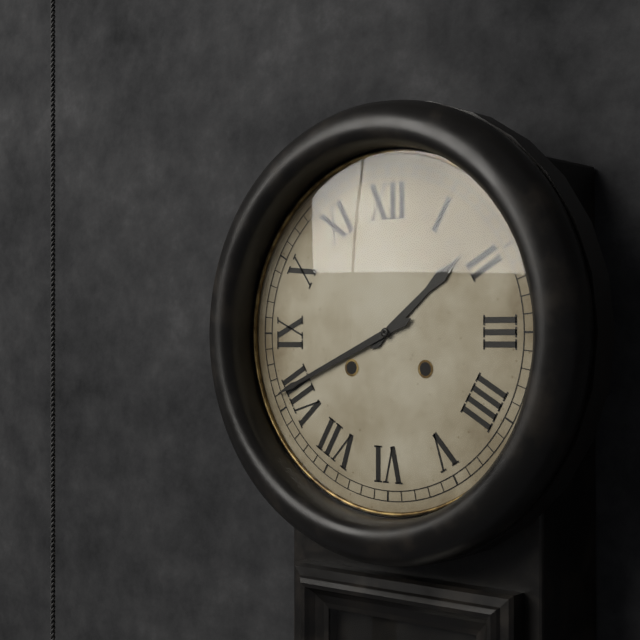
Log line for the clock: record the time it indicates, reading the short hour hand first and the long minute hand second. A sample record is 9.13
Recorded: 1.41
